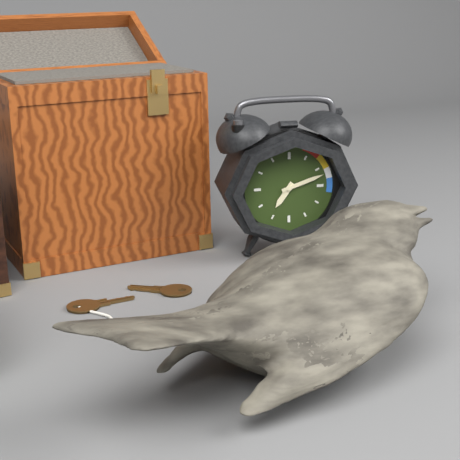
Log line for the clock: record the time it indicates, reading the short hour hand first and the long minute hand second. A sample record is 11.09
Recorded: 7.12
